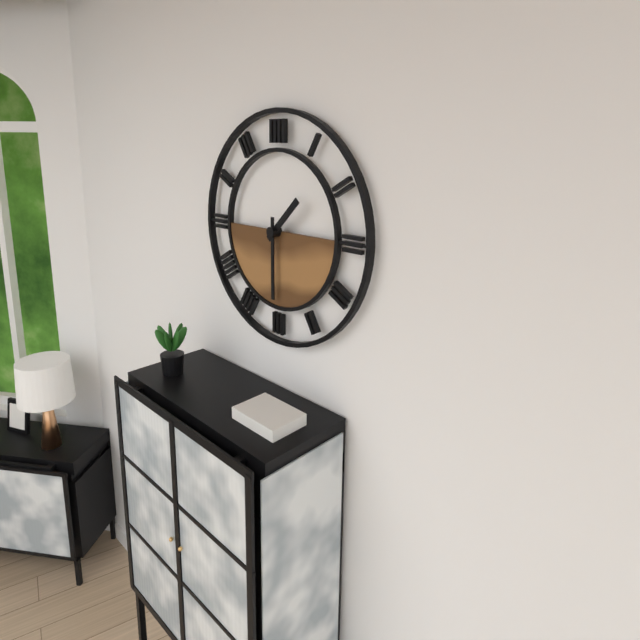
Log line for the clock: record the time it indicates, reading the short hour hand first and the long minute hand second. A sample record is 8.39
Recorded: 1.30
